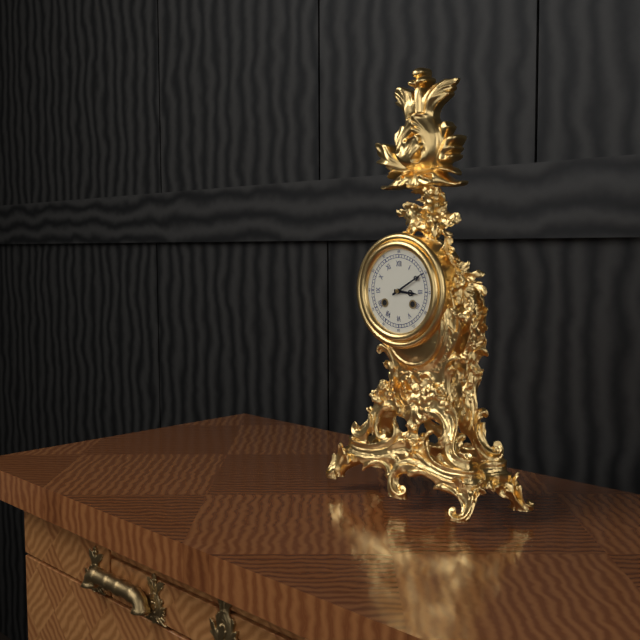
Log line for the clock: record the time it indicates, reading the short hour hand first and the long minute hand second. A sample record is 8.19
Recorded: 3.10
